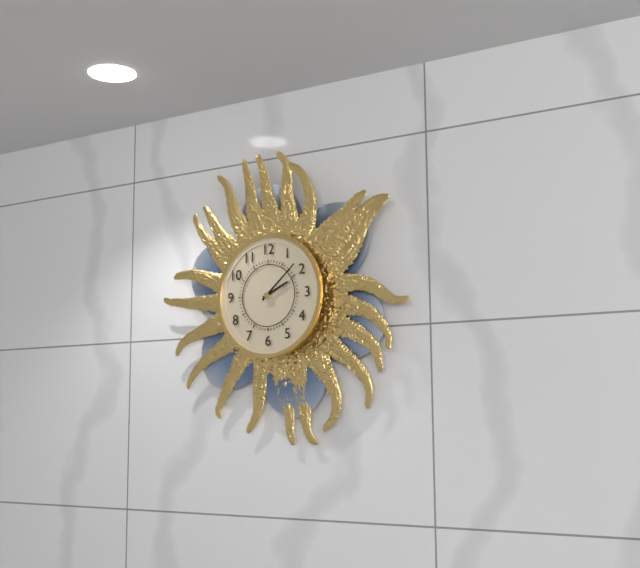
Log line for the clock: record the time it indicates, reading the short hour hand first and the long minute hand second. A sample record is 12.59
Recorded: 2.08
